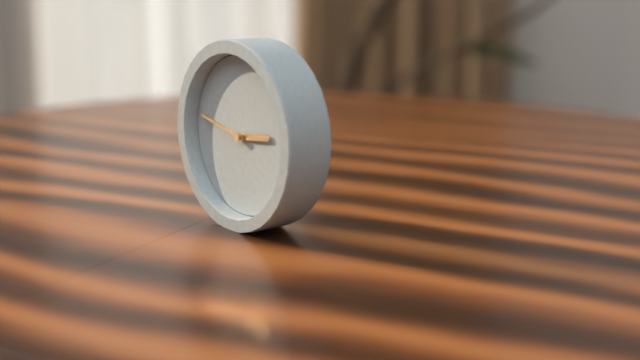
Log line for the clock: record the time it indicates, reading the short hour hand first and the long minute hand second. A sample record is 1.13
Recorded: 2.47
